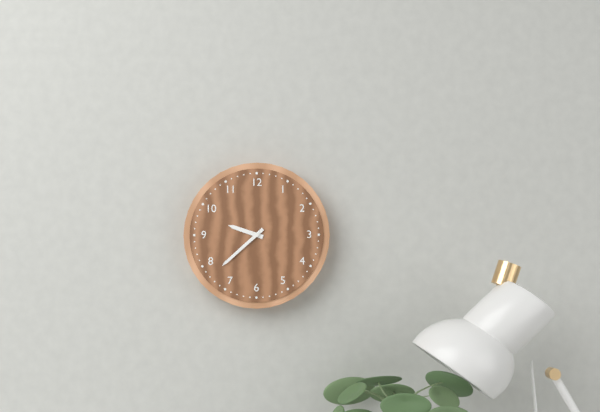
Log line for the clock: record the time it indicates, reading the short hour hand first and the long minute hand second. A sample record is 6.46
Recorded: 9.38
